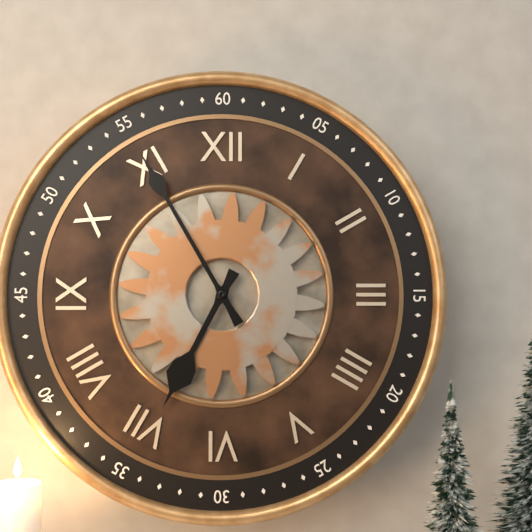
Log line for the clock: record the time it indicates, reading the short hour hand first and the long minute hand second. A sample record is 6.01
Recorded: 6.55
